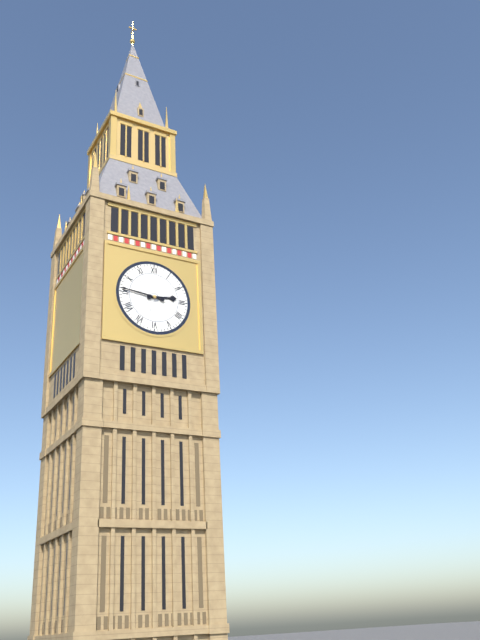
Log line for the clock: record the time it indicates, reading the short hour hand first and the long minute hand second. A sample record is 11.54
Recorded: 2.46
